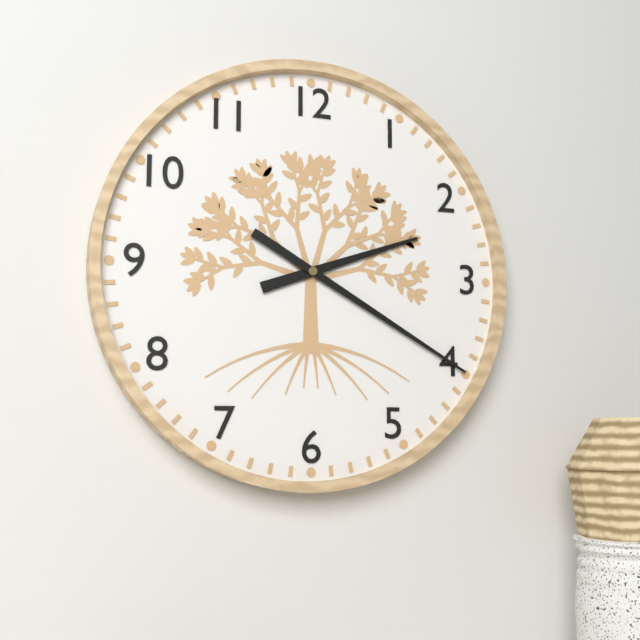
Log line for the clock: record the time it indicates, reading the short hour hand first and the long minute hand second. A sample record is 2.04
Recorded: 2.20
